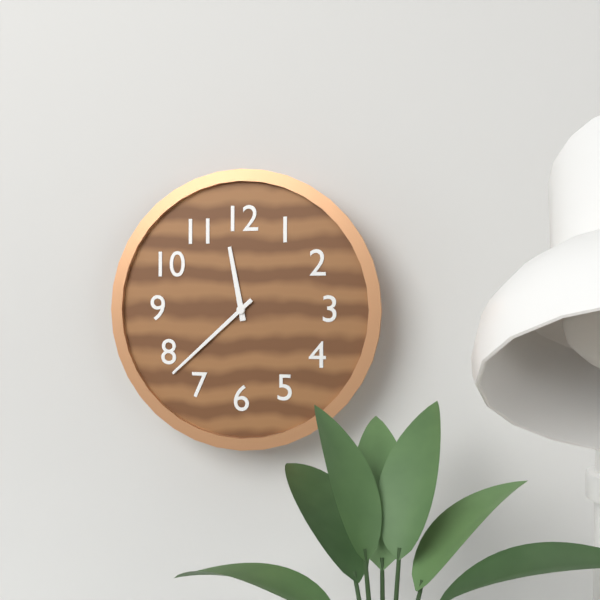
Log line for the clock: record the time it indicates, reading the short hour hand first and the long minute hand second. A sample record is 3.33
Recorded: 11.38
